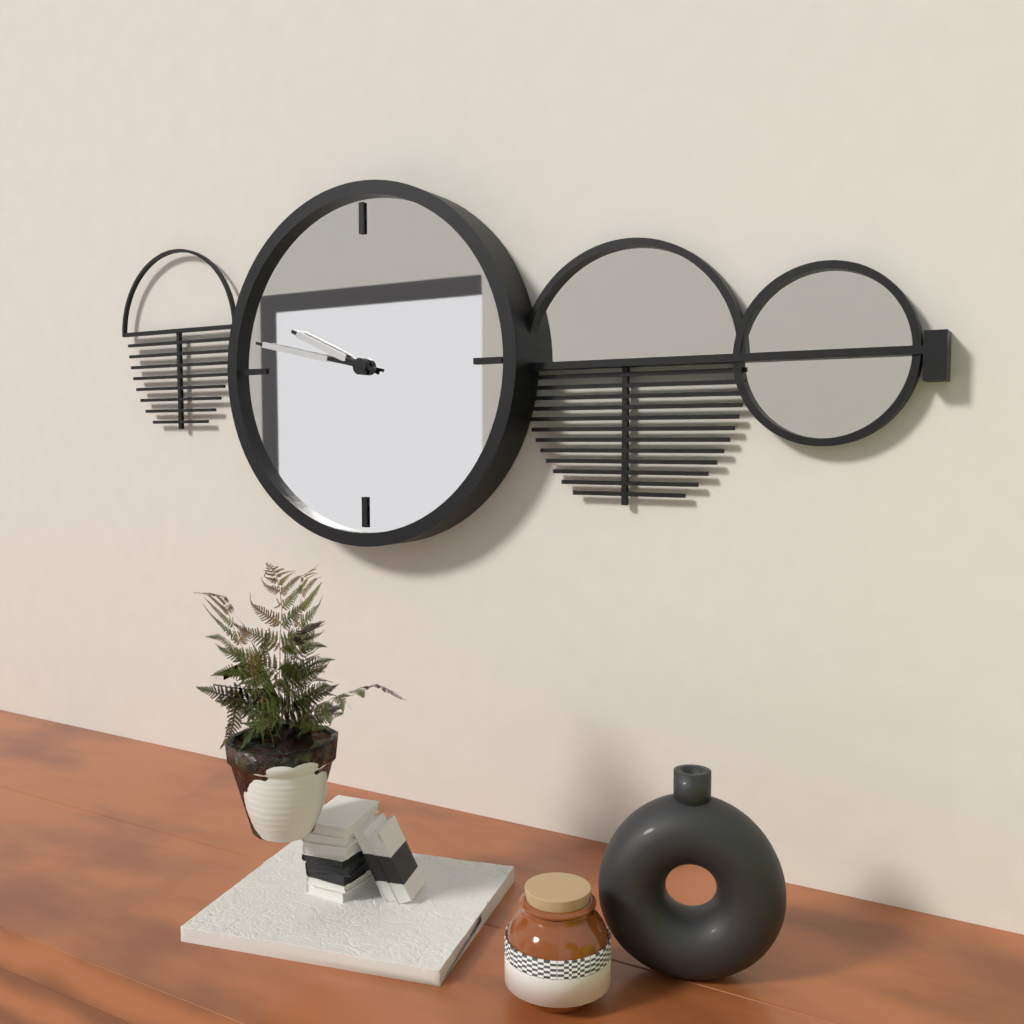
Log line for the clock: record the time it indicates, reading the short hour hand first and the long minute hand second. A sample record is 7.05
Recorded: 9.47
